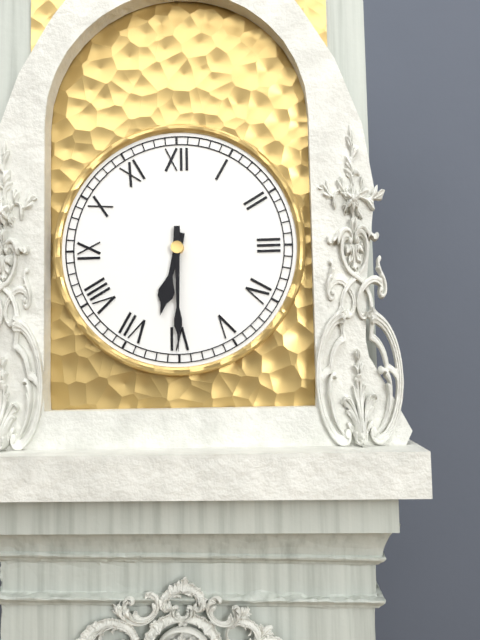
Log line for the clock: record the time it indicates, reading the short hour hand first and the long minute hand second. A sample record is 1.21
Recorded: 6.30
